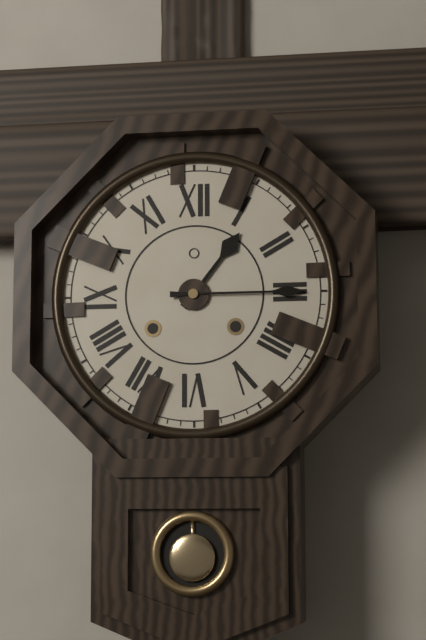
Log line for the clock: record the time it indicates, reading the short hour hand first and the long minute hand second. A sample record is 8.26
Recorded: 1.15
